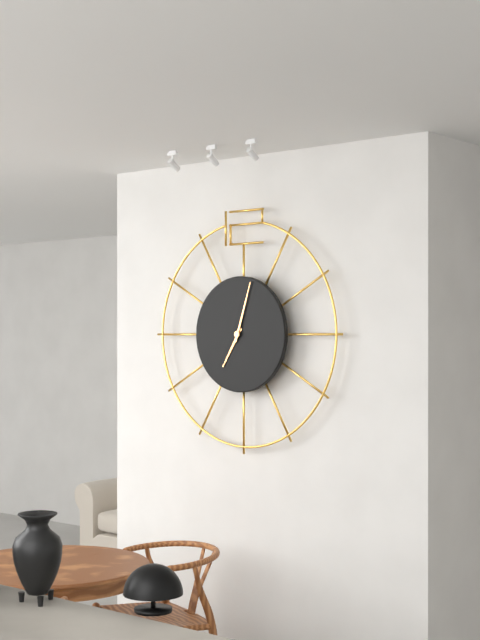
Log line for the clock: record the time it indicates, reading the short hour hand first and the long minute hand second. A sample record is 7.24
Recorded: 7.03
